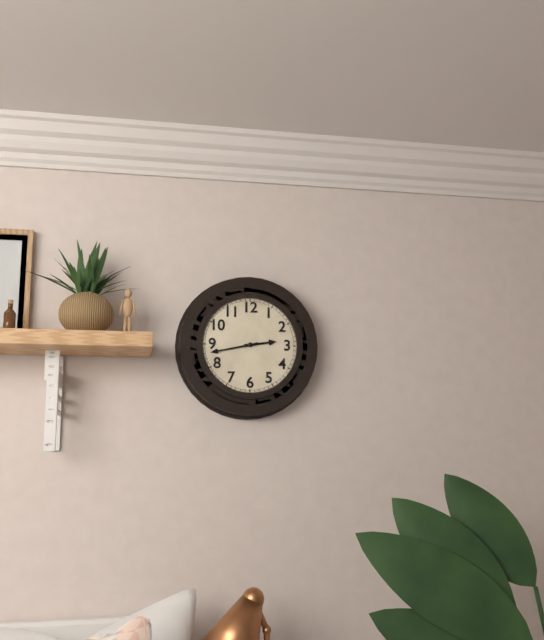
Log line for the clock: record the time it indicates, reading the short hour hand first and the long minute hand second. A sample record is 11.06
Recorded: 2.43
